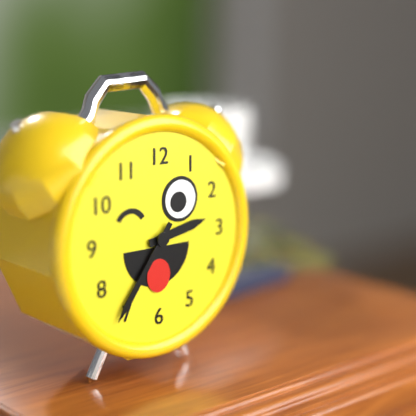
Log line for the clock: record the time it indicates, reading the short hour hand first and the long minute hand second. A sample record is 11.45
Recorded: 2.36
